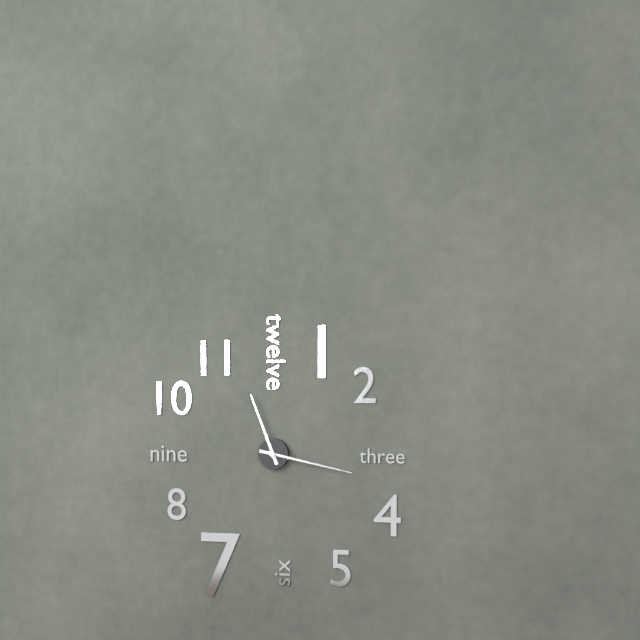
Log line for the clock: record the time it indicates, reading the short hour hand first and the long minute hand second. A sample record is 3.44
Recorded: 11.17
